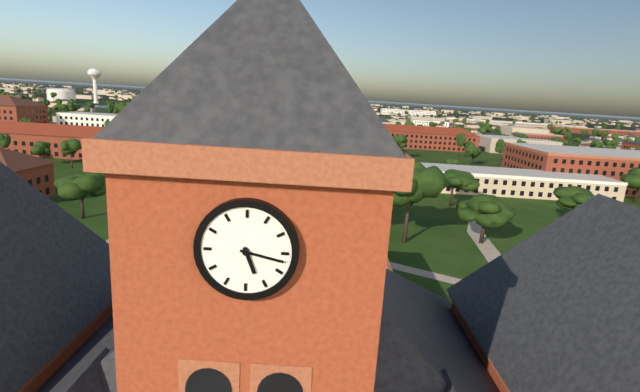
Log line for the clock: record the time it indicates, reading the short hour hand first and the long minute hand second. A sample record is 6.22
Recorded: 5.17
